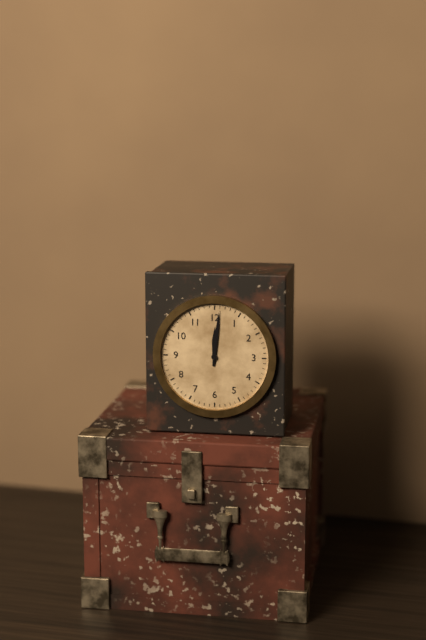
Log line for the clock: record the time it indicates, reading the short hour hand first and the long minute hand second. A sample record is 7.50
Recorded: 12.01
